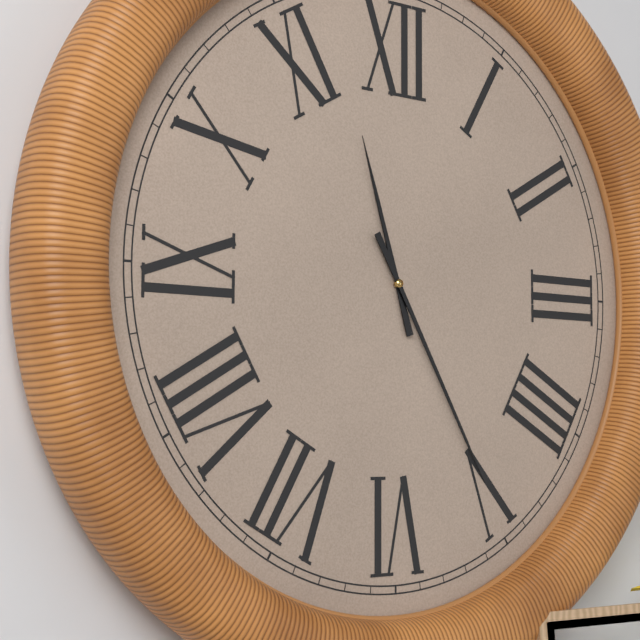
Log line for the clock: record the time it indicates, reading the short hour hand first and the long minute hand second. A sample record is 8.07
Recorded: 11.25
